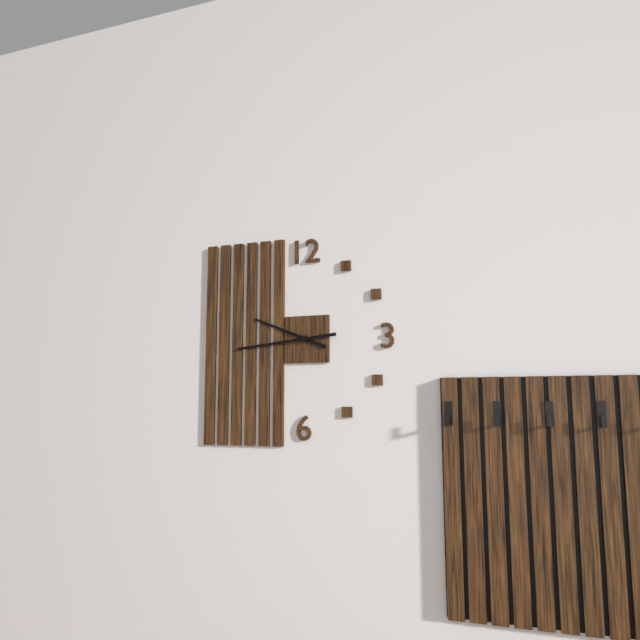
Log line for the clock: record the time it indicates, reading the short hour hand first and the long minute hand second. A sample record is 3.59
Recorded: 9.44
